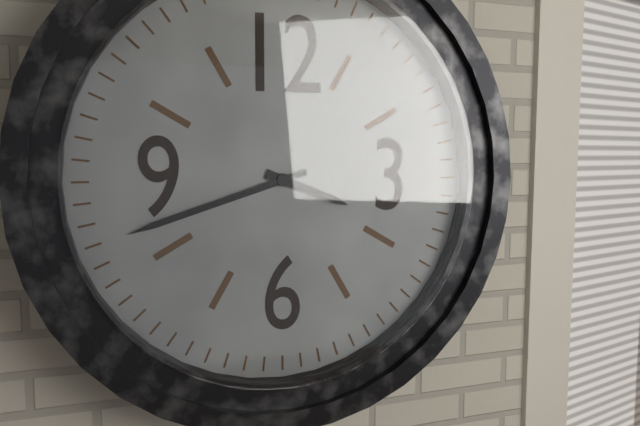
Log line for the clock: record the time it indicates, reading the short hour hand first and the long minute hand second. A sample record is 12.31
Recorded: 3.42
